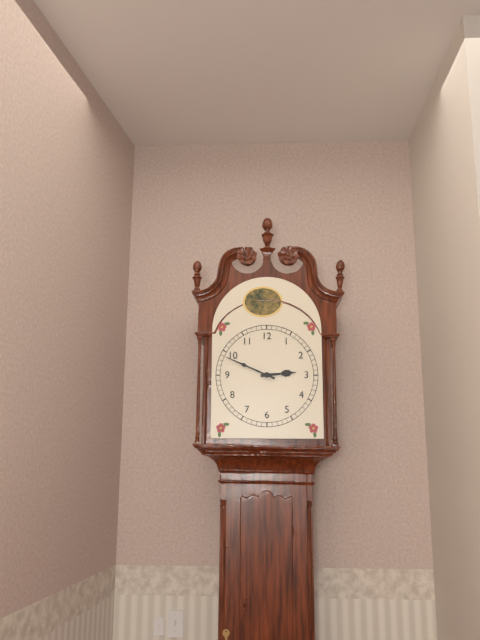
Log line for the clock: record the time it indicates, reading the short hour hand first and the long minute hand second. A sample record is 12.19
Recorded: 2.49
